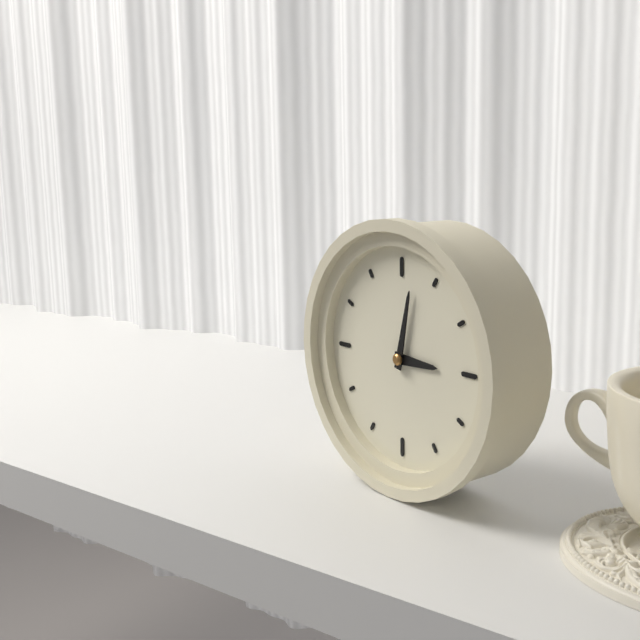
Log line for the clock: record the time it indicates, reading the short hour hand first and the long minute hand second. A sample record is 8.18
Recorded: 3.02
